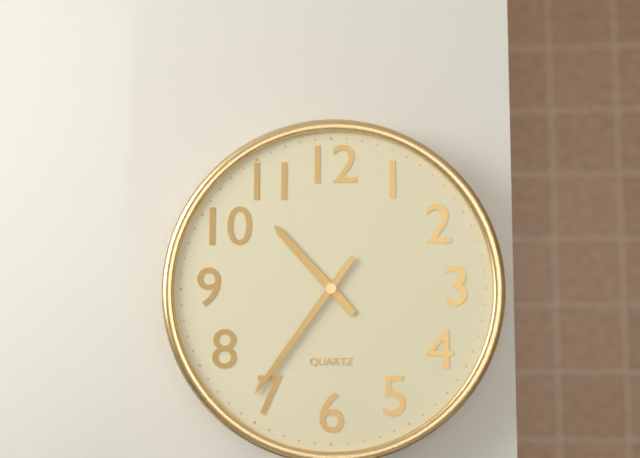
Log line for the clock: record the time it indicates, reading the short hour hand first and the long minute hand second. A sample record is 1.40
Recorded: 10.36
